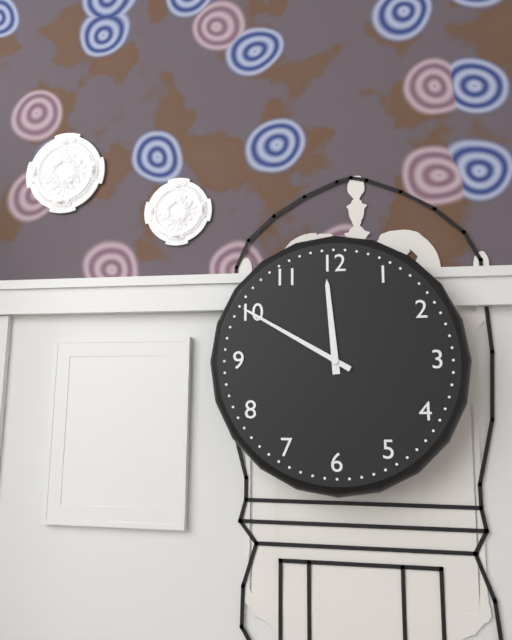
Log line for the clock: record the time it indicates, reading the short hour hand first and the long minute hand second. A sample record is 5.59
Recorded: 11.50
